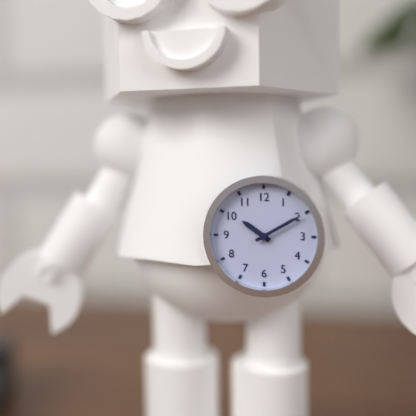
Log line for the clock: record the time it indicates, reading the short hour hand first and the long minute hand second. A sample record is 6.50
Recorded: 10.10
